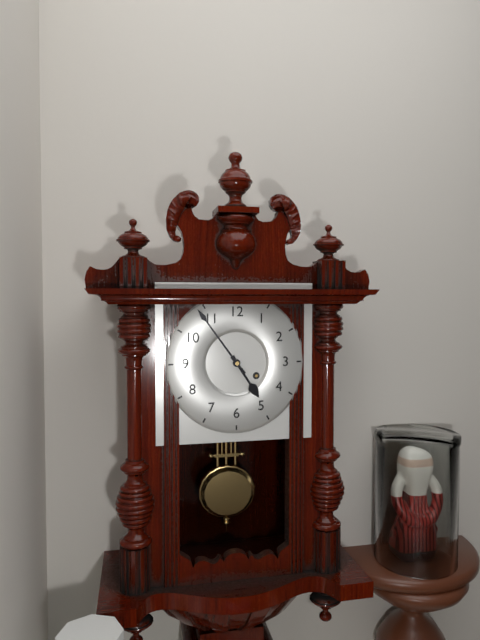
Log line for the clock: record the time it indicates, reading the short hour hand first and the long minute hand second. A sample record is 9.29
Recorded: 4.54
